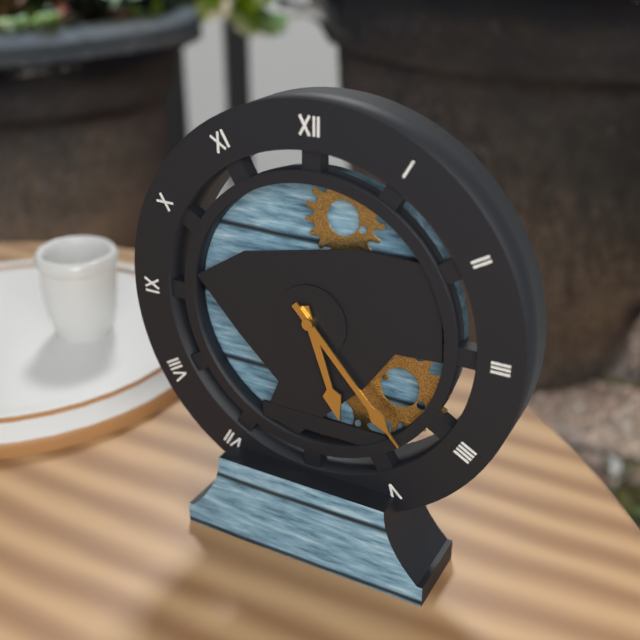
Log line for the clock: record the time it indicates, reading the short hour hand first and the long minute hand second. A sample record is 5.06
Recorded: 5.23
